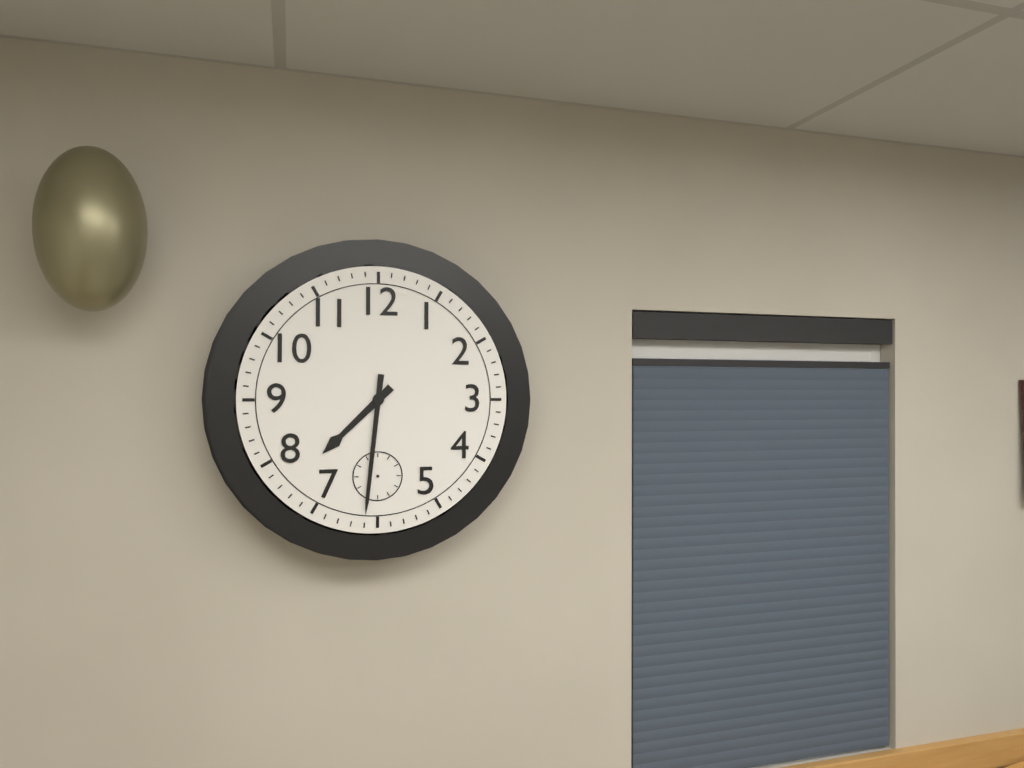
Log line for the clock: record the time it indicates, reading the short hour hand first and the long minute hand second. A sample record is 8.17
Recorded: 7.31
